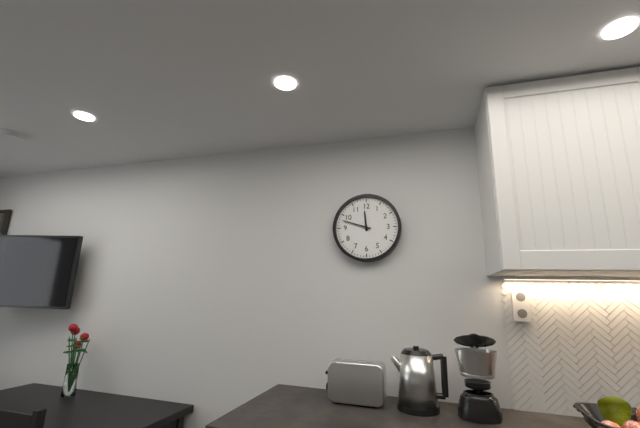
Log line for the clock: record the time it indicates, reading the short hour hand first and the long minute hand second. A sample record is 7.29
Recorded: 11.48
